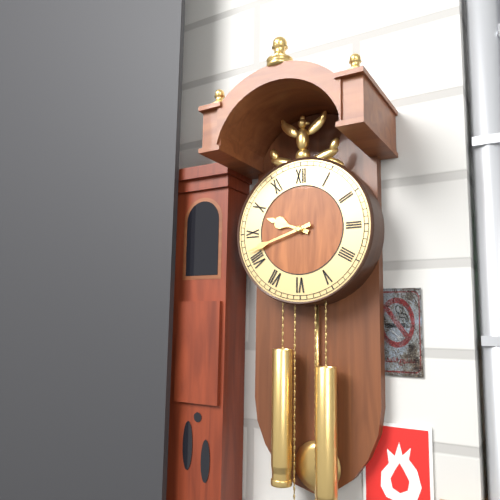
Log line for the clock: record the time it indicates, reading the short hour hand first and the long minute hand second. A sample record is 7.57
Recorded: 9.42
